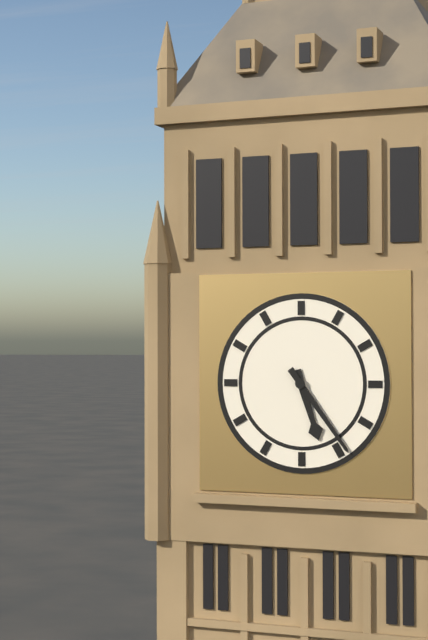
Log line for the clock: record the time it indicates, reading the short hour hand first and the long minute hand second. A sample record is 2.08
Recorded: 5.24
